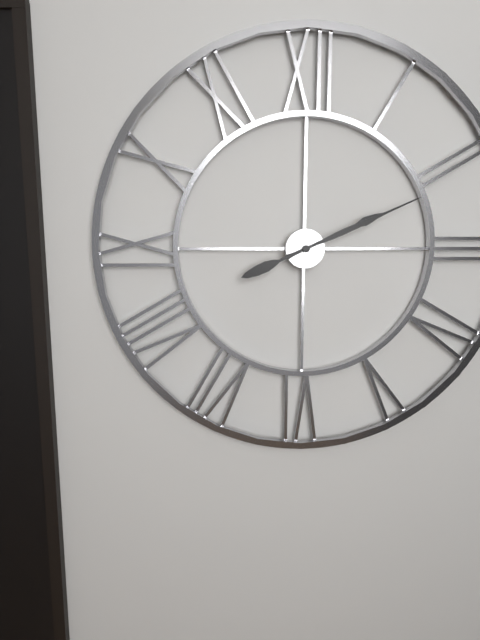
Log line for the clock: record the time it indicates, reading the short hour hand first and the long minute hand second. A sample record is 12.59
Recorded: 2.11
